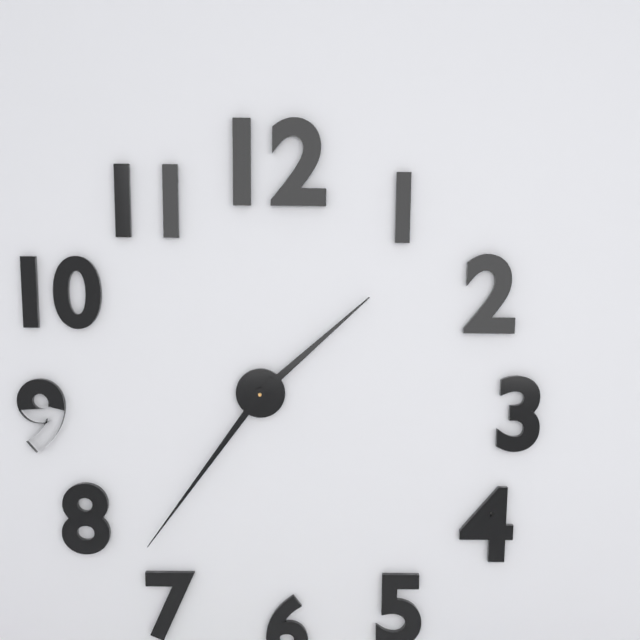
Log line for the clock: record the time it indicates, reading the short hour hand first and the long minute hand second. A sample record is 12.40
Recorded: 1.36
